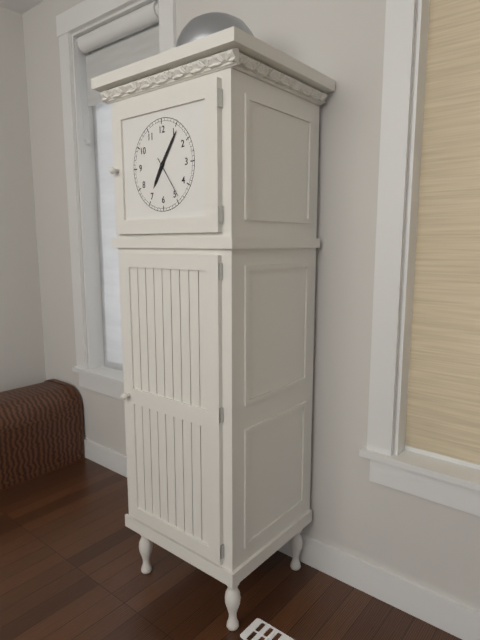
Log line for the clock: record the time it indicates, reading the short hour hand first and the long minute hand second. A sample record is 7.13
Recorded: 7.06
